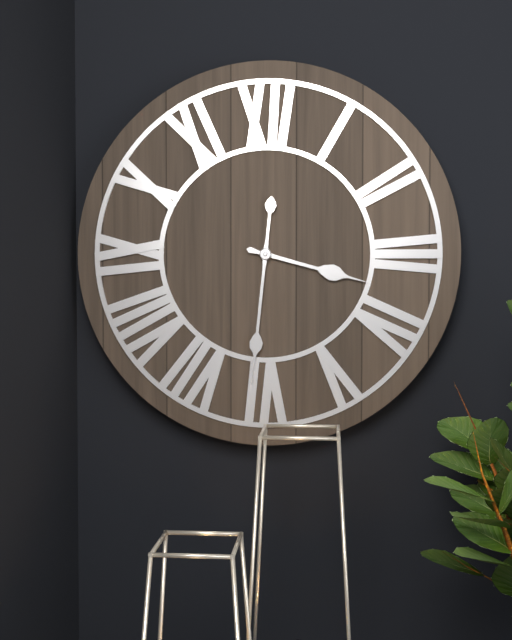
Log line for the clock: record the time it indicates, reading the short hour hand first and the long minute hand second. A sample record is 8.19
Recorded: 3.31
